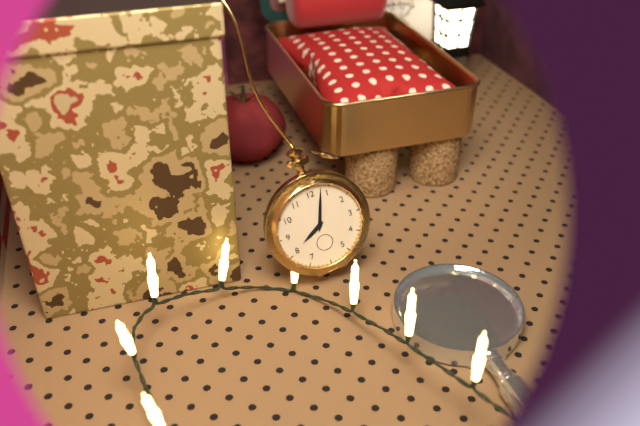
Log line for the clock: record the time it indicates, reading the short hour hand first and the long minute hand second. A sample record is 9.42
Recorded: 8.03
